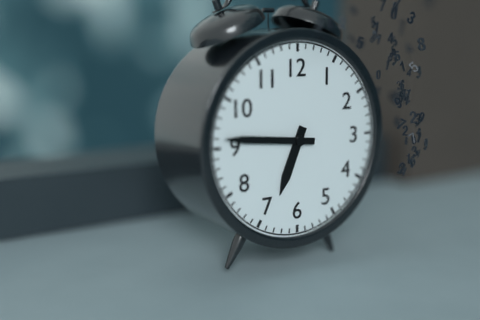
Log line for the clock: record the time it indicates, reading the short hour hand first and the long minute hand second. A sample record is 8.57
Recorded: 6.46
